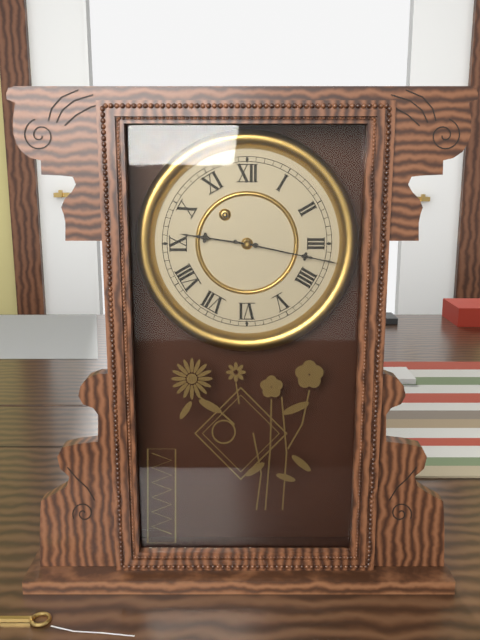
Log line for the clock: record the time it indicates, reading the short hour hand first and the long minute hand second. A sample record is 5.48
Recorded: 9.17
